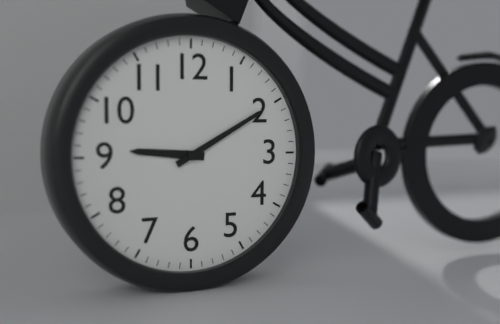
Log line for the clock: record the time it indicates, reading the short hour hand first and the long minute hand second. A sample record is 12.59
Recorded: 9.10
